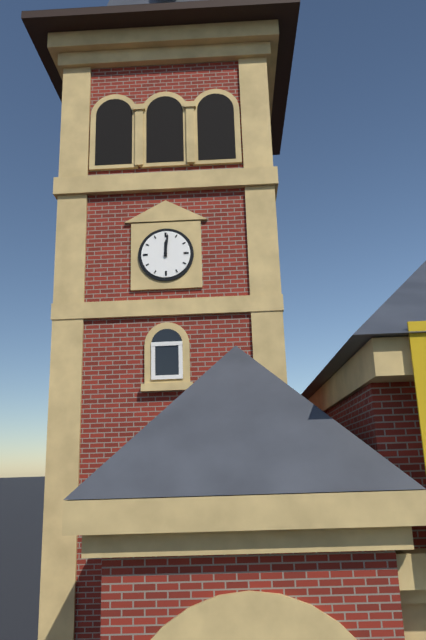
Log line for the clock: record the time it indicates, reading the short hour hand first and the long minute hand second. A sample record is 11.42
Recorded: 12.01
